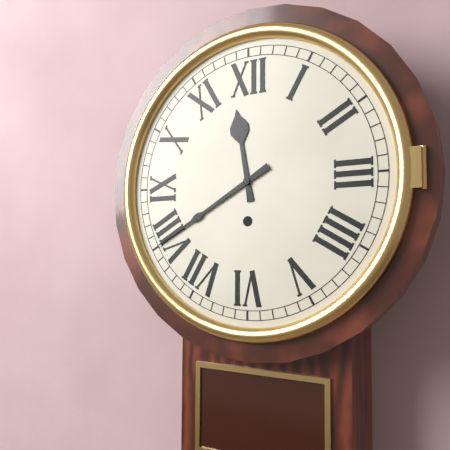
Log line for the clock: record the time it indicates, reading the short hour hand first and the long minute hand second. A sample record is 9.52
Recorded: 11.40
